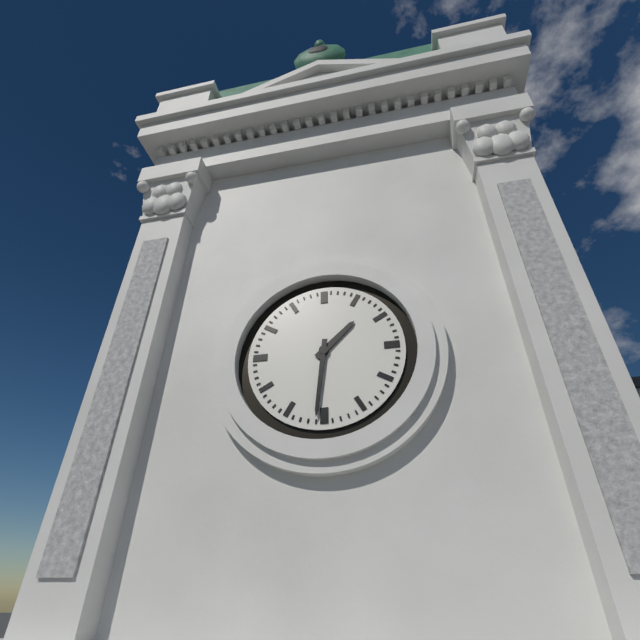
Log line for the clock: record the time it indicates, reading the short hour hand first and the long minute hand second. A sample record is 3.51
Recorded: 1.31
